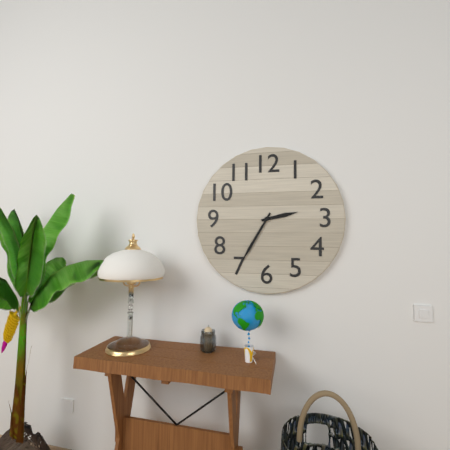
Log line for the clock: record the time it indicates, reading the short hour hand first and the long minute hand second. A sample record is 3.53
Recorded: 2.35
